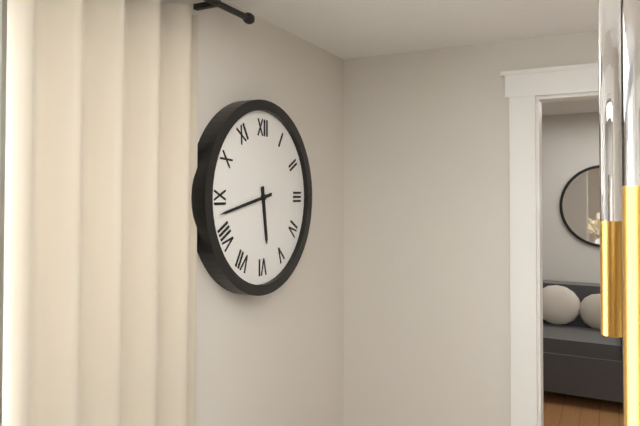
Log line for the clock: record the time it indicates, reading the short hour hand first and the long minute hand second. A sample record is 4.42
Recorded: 5.43
